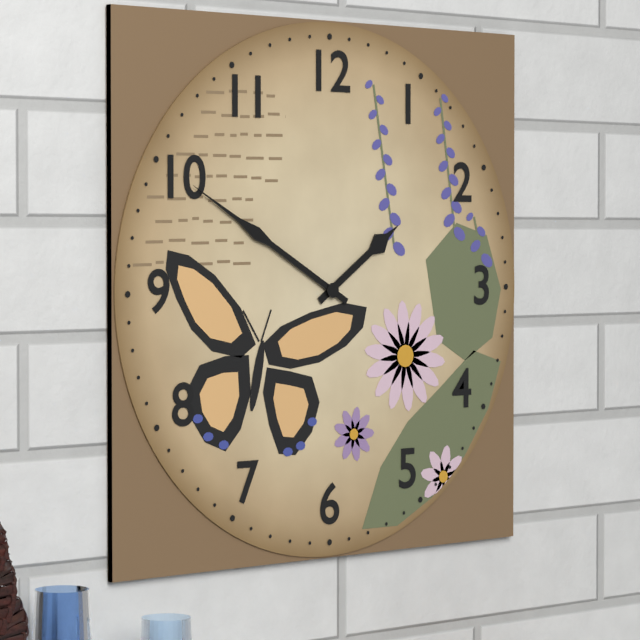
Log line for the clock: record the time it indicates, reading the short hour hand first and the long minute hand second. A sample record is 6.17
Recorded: 1.50
